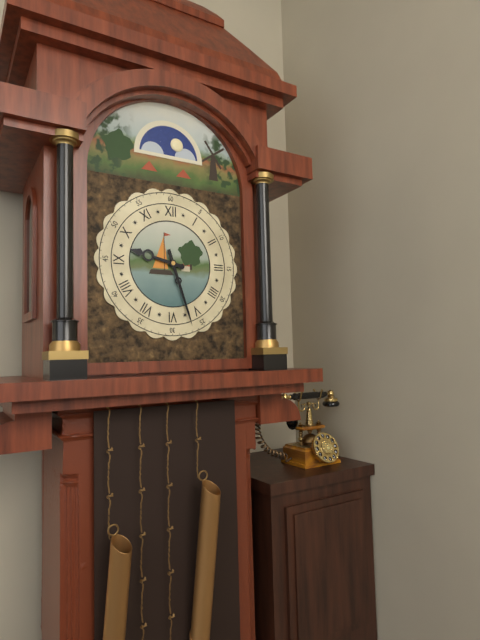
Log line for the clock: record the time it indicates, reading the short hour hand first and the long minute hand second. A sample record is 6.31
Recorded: 9.27
